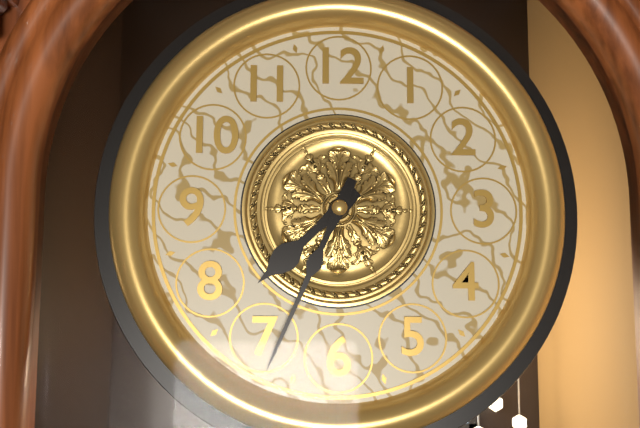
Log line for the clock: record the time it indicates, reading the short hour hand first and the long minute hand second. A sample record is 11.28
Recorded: 7.34
